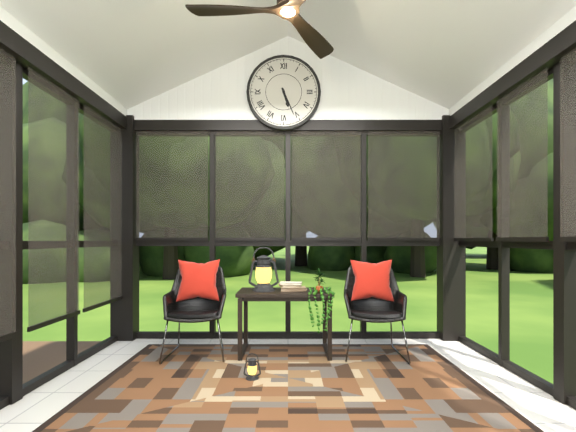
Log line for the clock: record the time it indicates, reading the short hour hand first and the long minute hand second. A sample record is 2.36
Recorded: 5.26
